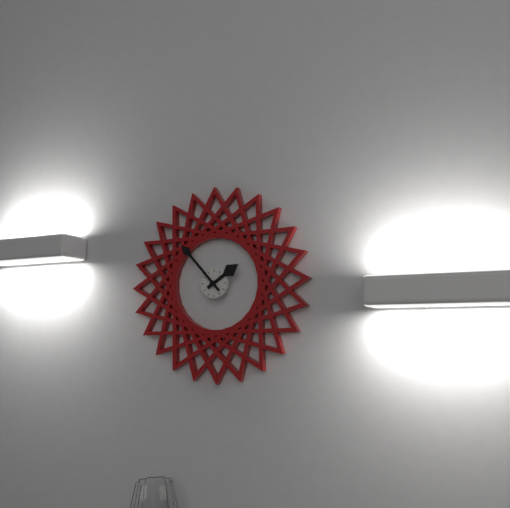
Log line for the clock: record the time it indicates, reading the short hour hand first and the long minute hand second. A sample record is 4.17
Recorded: 1.53
